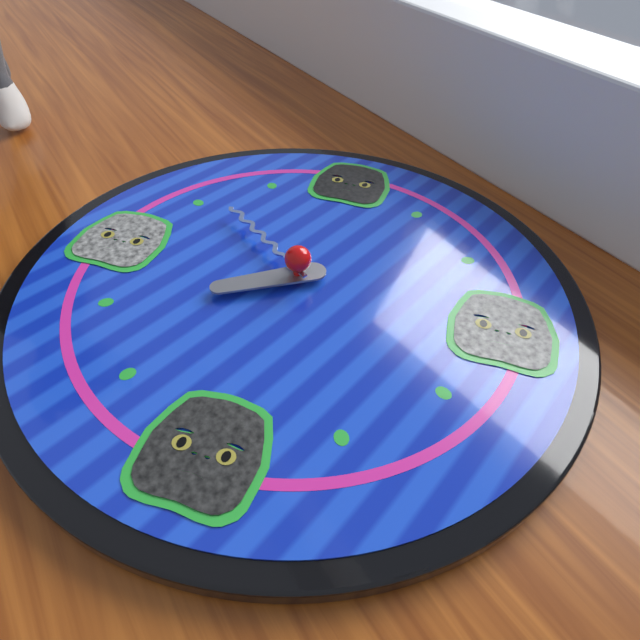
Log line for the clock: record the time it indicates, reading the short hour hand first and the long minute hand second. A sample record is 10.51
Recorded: 7.51
